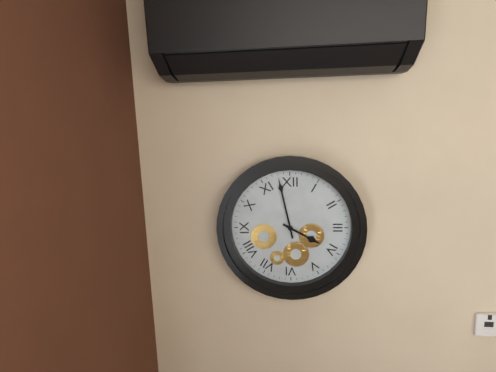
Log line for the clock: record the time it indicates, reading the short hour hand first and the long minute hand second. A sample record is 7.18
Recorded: 3.58
